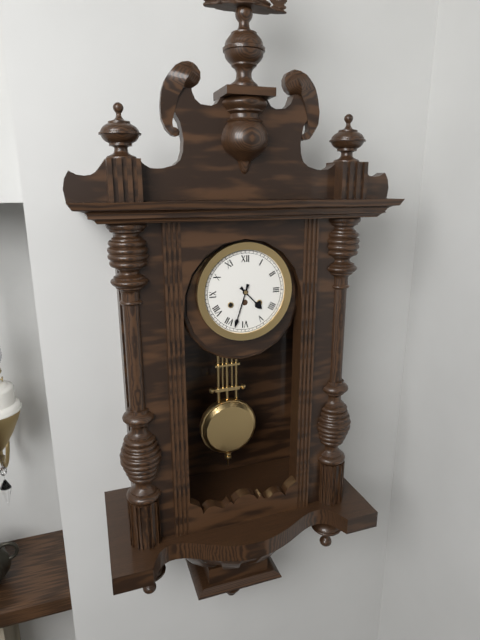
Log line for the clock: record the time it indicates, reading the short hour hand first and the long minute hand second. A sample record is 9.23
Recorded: 4.33
